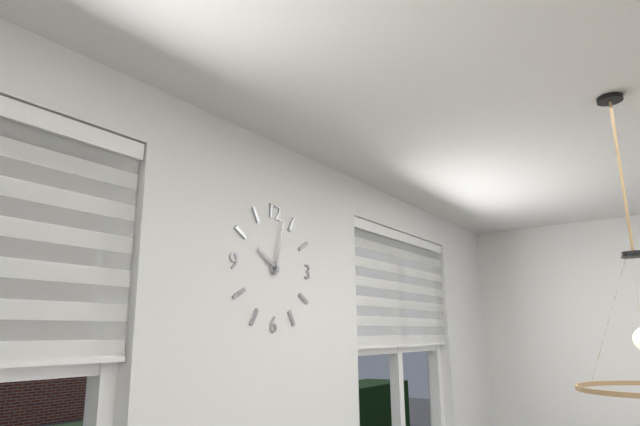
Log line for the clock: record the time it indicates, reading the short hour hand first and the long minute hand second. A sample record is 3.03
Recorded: 10.02
